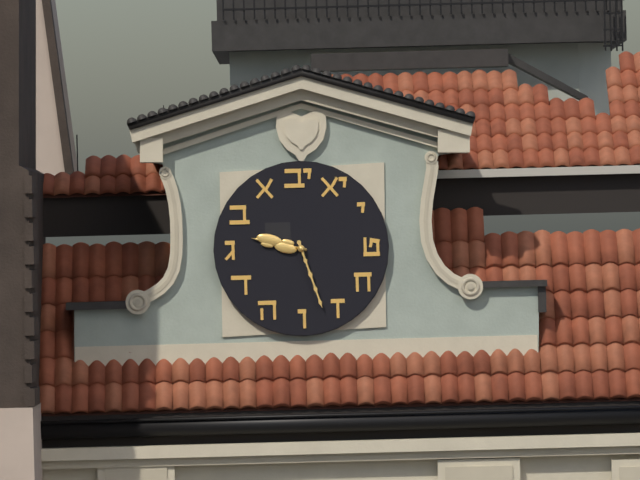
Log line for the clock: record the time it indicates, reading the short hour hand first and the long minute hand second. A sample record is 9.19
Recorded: 9.27
